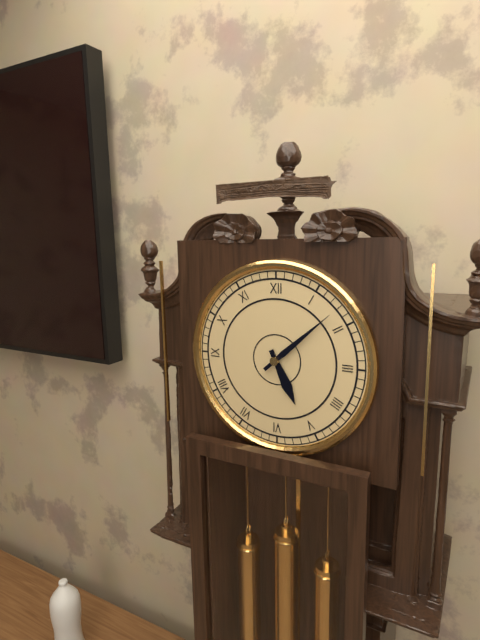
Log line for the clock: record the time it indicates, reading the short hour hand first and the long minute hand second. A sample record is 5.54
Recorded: 5.08
